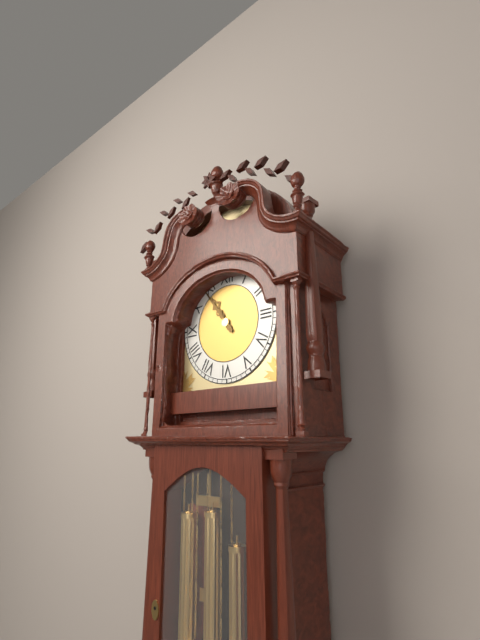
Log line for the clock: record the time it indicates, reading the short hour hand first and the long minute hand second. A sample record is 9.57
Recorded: 10.54
